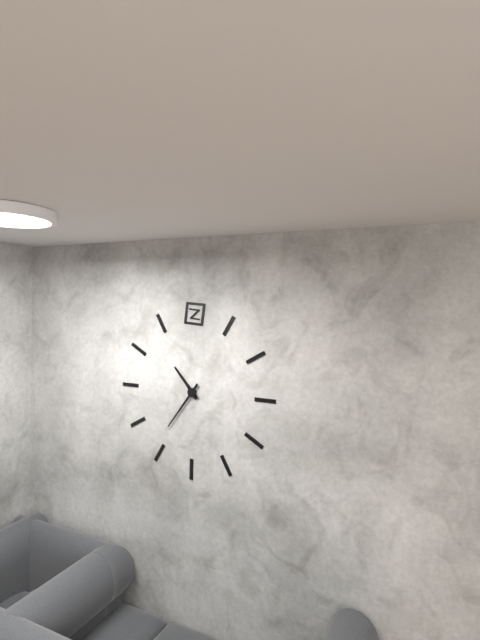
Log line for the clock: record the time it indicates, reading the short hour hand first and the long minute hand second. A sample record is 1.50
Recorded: 10.36
